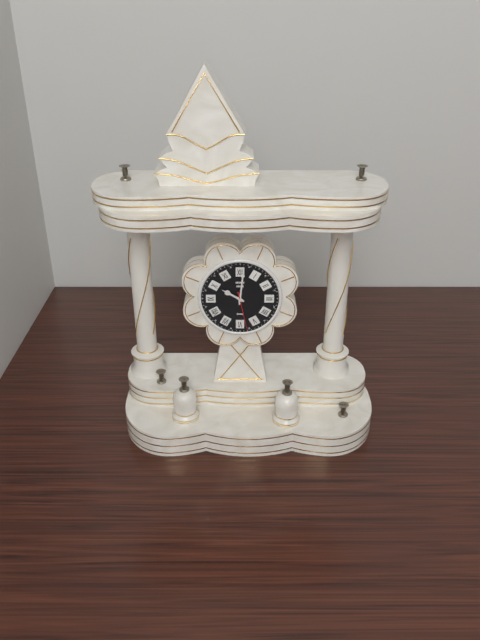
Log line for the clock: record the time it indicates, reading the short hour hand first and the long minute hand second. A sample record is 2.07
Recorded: 10.01
